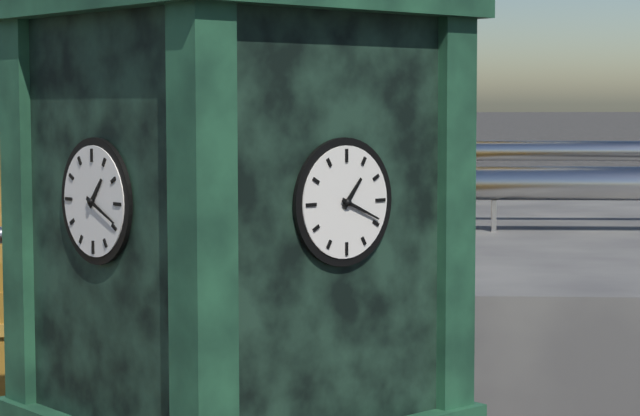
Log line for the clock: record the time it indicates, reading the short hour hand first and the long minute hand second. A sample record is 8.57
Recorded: 1.19
